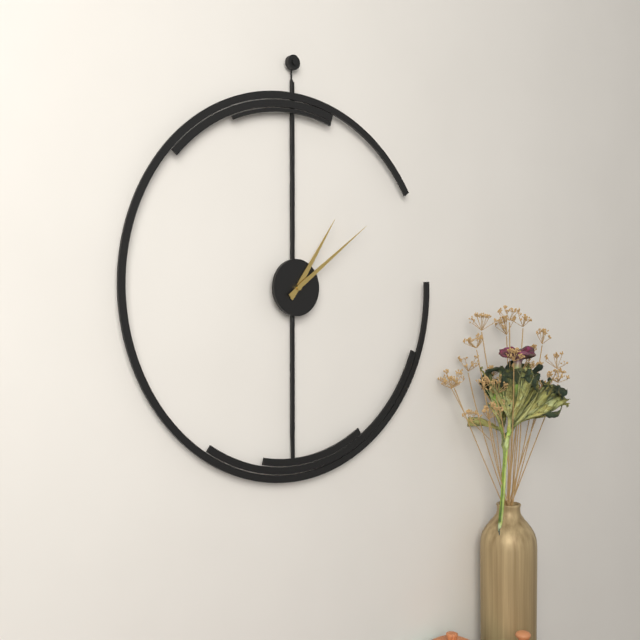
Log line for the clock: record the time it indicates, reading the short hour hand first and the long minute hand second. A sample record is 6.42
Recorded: 1.09
